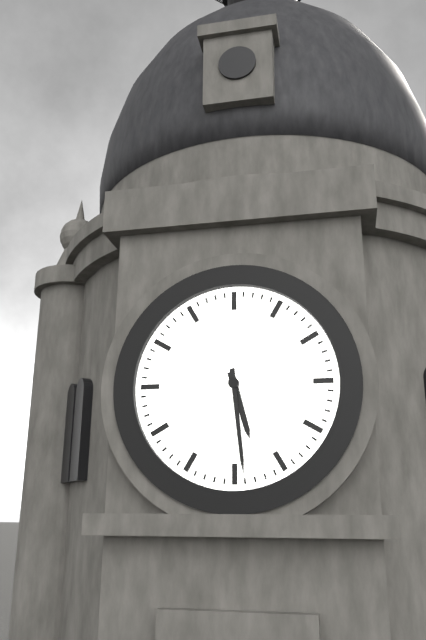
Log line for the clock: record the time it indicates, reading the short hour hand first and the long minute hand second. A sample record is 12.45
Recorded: 5.29
